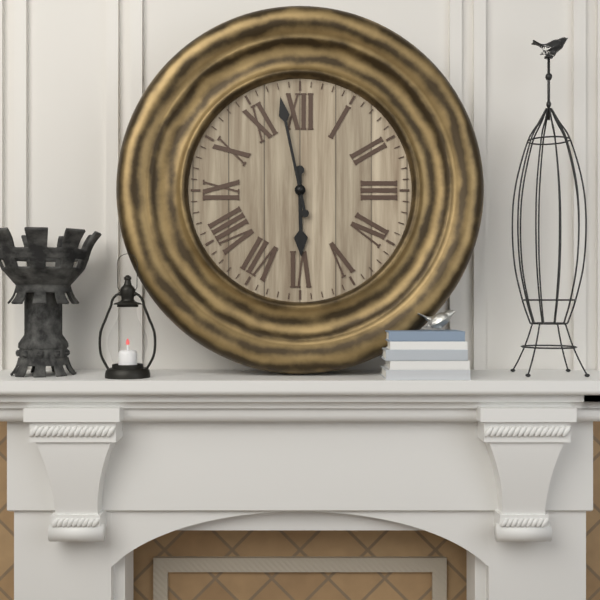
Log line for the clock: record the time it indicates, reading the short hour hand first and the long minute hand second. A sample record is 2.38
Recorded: 5.58
